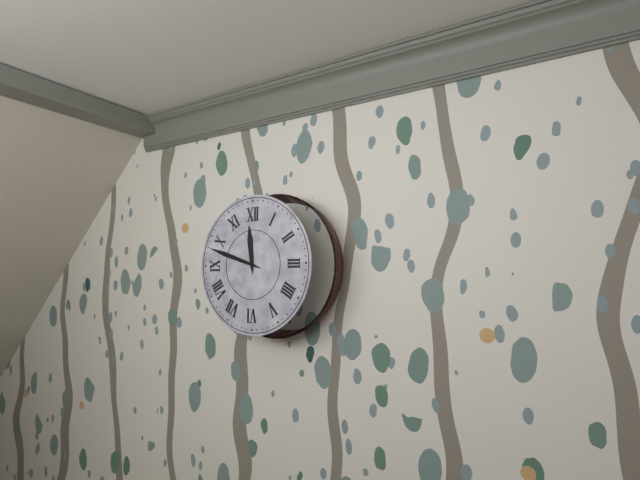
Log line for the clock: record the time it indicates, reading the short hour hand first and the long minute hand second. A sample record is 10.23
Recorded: 11.48
